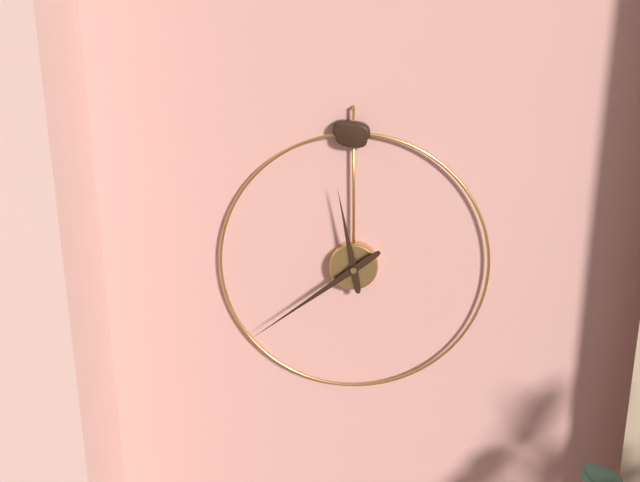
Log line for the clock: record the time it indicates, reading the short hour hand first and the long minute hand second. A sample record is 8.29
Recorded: 11.39
